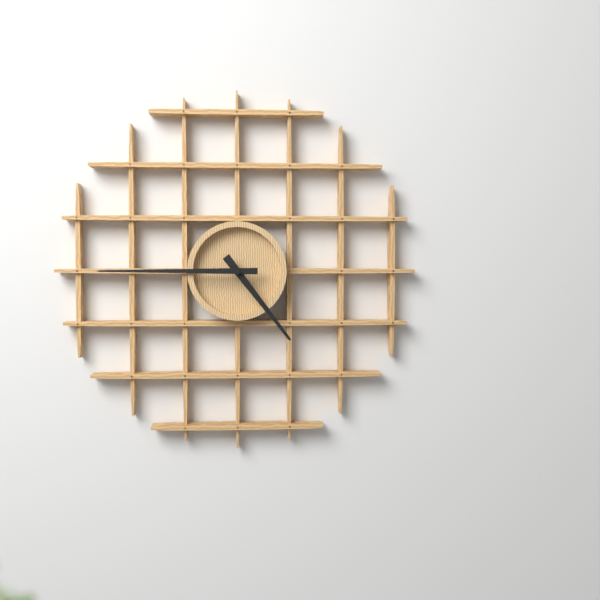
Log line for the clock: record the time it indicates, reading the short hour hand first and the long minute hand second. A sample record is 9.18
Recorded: 4.45
